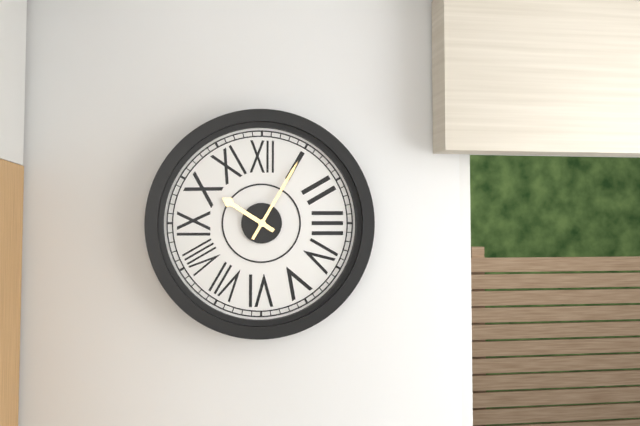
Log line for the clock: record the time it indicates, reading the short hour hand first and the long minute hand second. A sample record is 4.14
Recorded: 10.05
